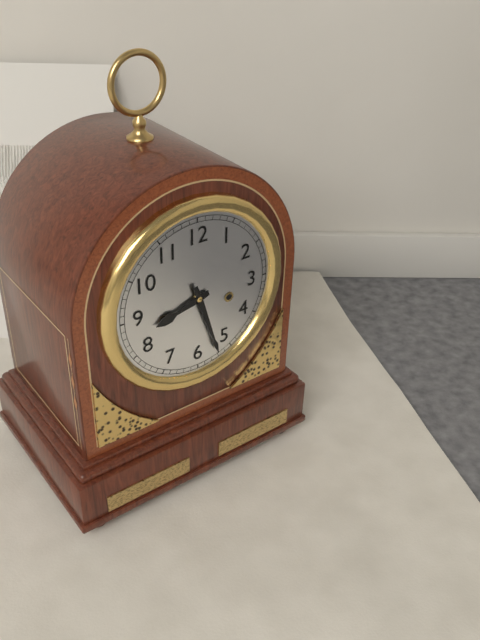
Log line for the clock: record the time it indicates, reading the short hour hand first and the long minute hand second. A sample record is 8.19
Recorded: 8.27
